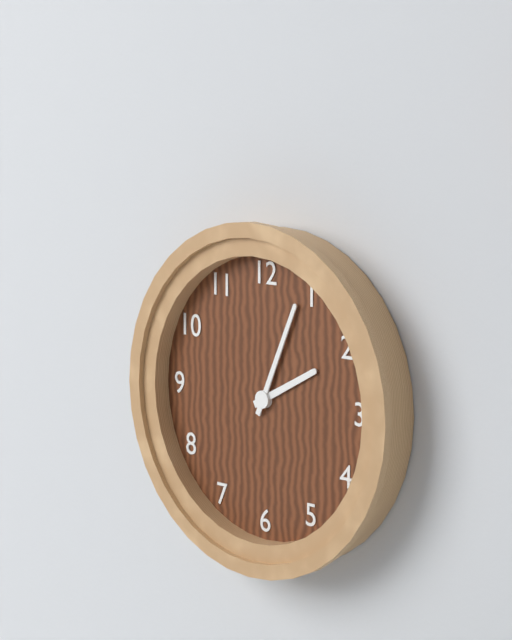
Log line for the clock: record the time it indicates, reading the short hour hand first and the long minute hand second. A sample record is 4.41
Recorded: 2.04
